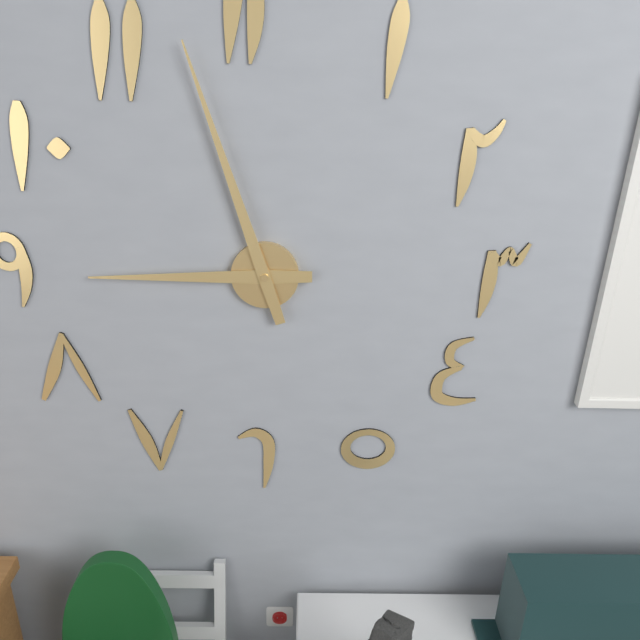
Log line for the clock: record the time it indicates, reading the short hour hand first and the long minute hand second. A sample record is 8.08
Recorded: 8.57
